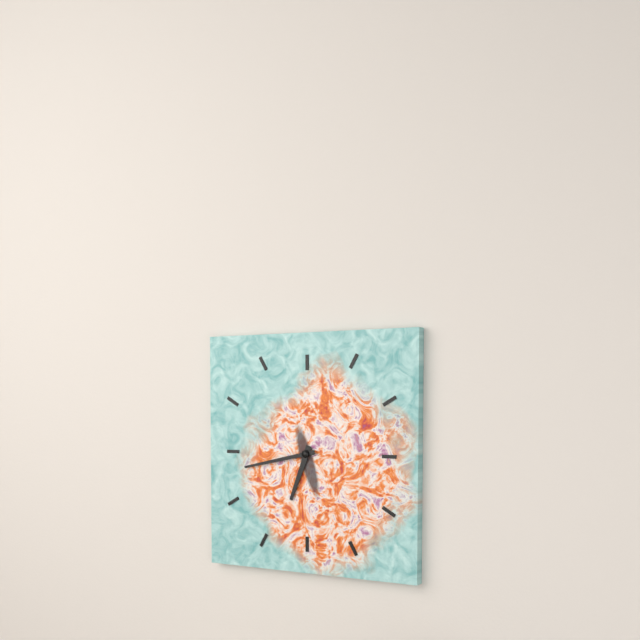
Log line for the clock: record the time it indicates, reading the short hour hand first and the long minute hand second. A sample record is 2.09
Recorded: 6.43
